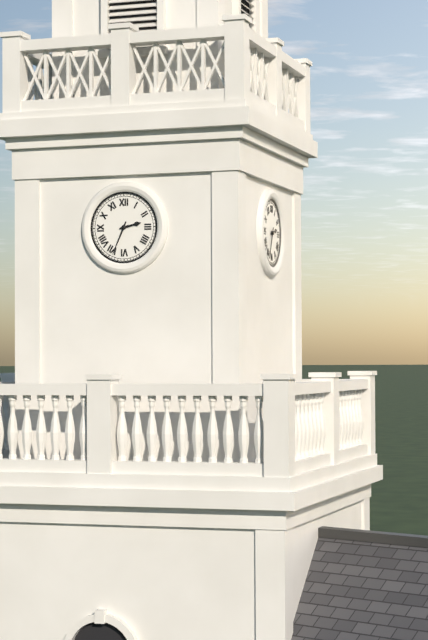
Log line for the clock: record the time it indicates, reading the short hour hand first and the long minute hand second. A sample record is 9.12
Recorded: 2.34
